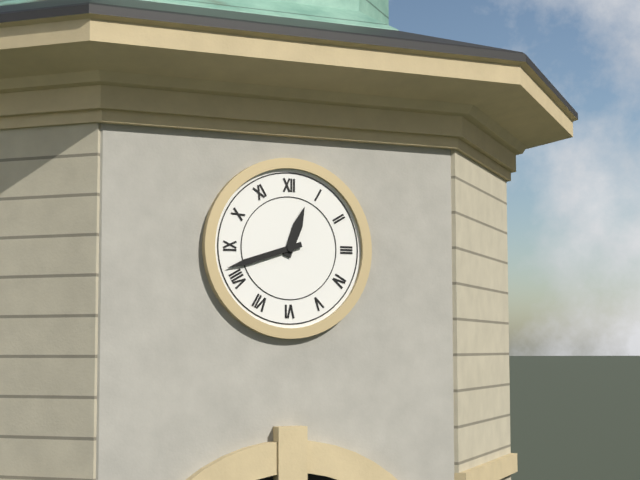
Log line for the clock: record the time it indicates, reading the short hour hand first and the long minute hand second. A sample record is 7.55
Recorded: 12.42
